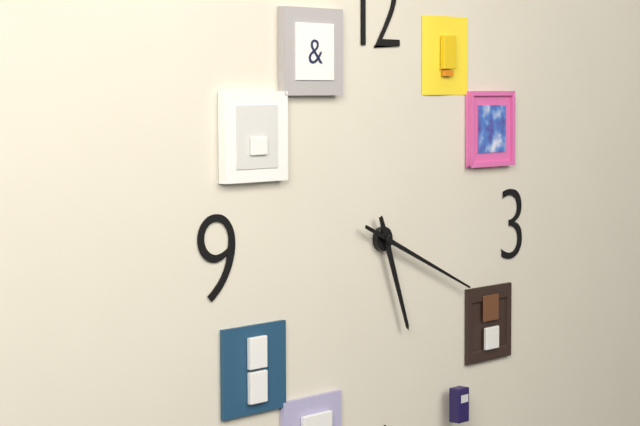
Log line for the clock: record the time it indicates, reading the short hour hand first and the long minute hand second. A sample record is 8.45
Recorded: 5.19
